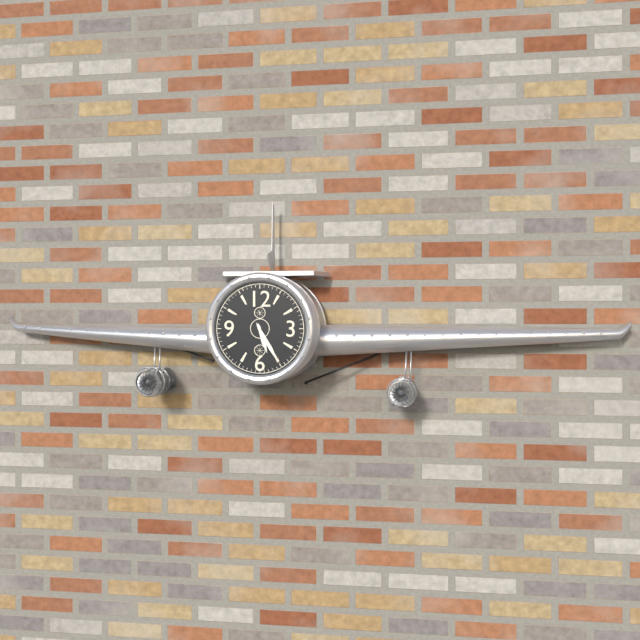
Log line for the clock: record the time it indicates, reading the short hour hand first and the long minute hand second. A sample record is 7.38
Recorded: 5.25
